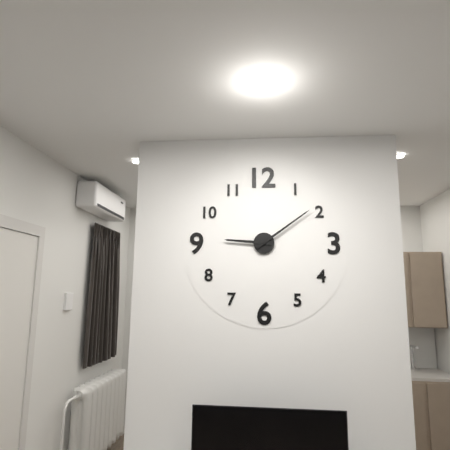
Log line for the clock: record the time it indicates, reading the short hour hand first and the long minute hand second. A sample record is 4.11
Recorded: 9.09
